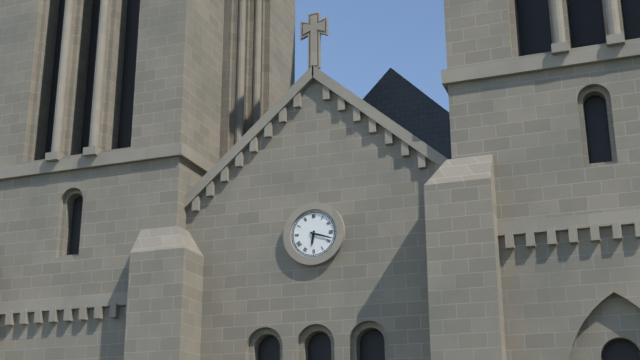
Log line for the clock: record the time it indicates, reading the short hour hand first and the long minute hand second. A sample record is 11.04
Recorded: 6.18
